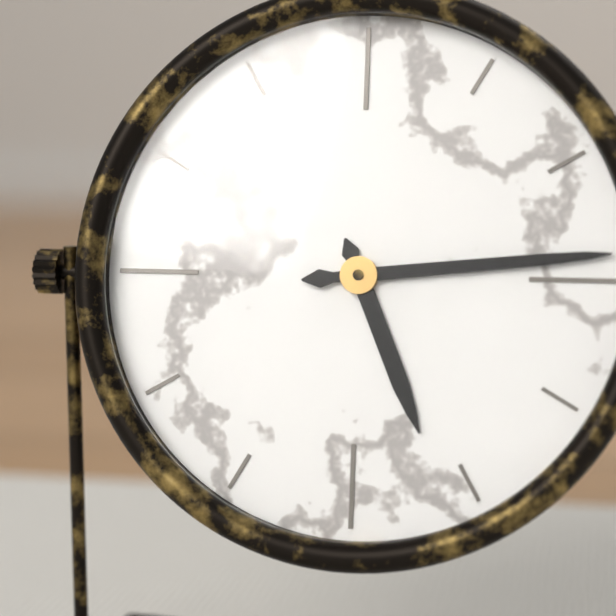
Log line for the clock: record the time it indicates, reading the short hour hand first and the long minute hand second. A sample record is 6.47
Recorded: 5.14
